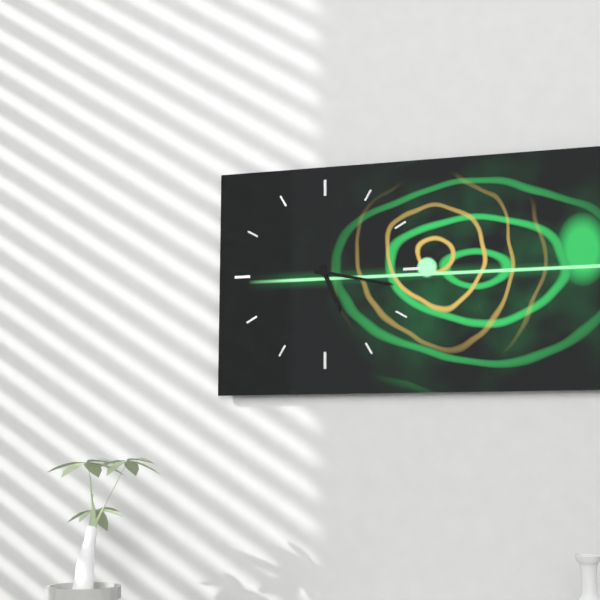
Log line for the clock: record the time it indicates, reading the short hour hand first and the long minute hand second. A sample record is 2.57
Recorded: 5.17
